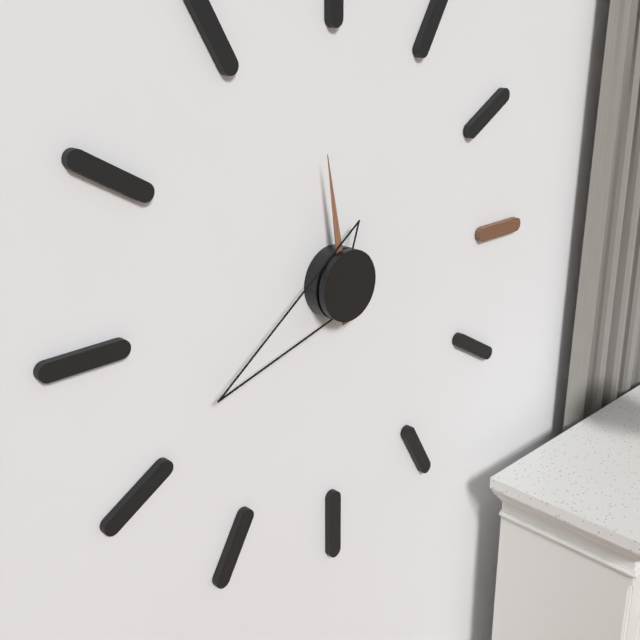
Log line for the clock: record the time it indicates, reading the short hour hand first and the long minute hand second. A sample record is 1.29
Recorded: 11.41
